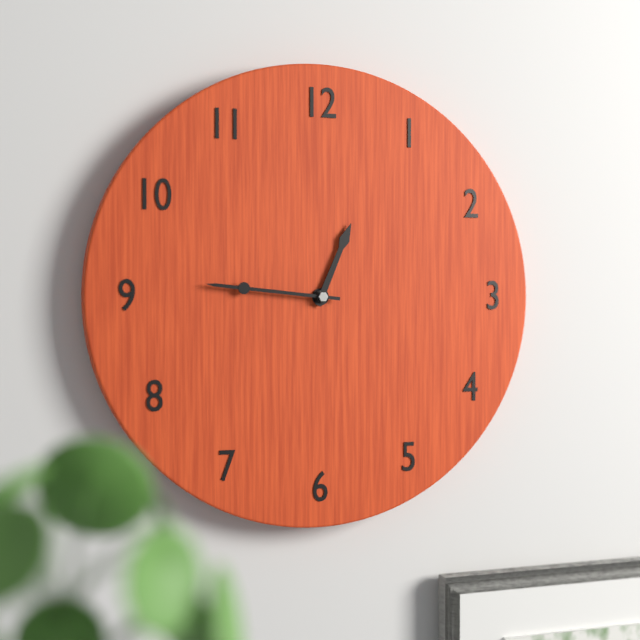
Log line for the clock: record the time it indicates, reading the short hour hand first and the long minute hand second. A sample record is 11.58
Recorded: 12.46
